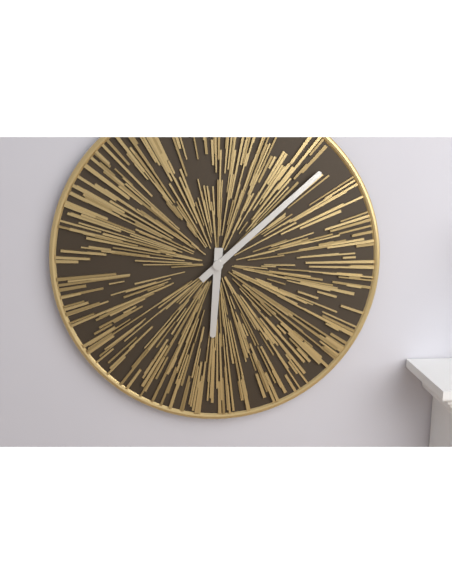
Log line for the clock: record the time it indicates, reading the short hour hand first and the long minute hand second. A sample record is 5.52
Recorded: 6.08
